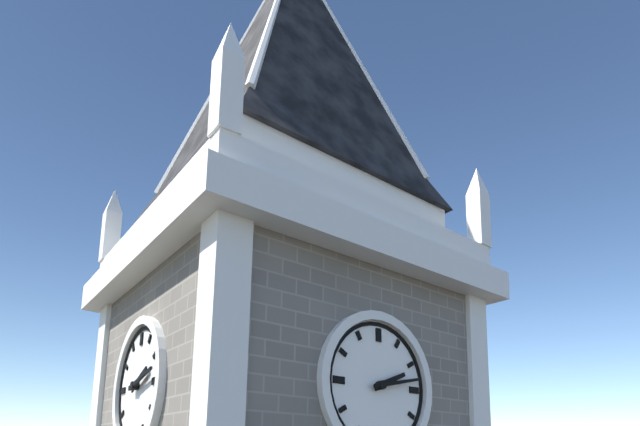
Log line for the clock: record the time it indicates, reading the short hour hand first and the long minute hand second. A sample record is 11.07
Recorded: 2.13
